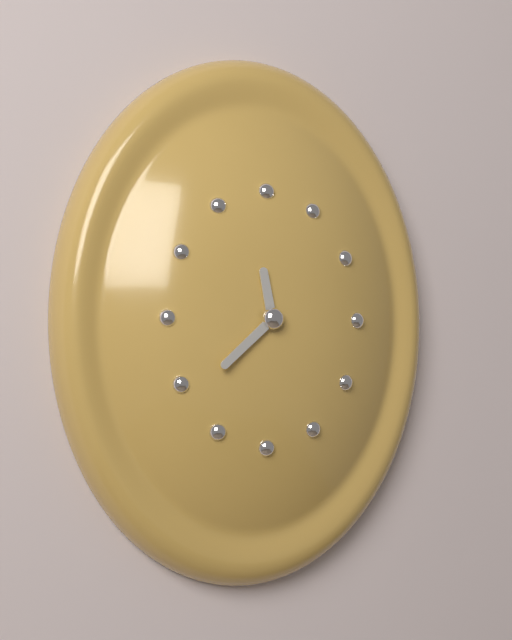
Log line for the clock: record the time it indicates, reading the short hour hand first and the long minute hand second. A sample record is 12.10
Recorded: 11.38
